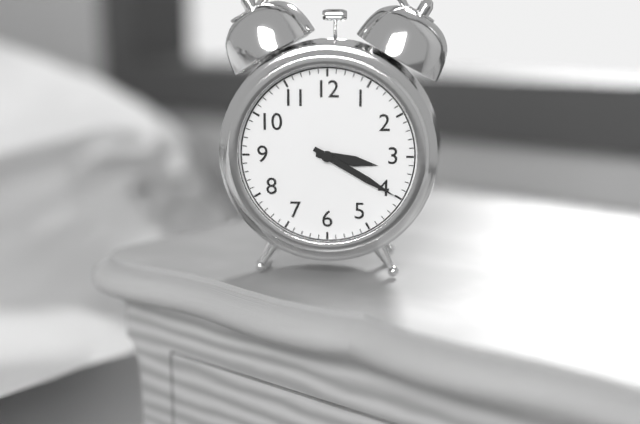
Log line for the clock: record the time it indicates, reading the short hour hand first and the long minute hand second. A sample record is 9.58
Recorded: 3.20
